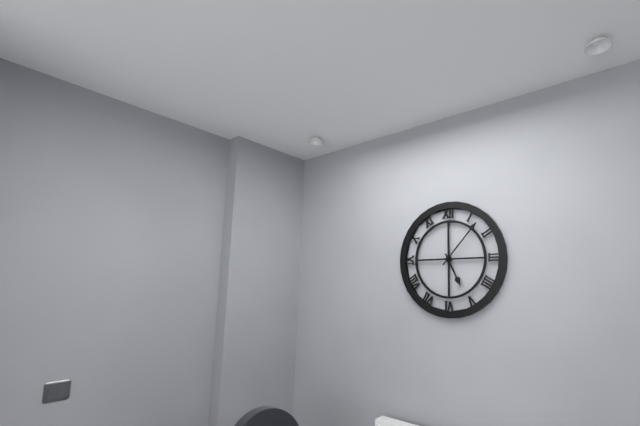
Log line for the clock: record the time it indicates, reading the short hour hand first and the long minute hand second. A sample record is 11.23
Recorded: 5.07
